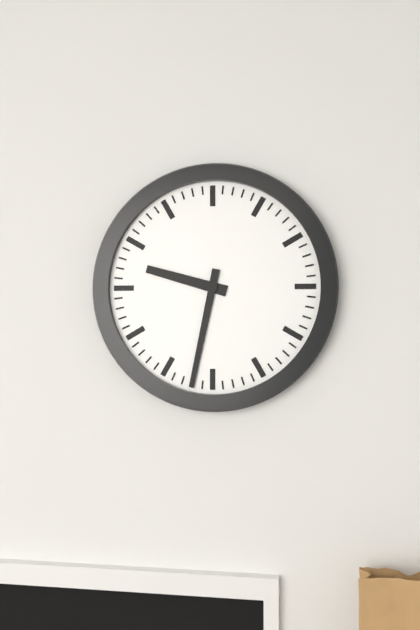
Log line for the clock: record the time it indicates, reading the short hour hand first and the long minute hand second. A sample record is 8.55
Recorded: 9.32
